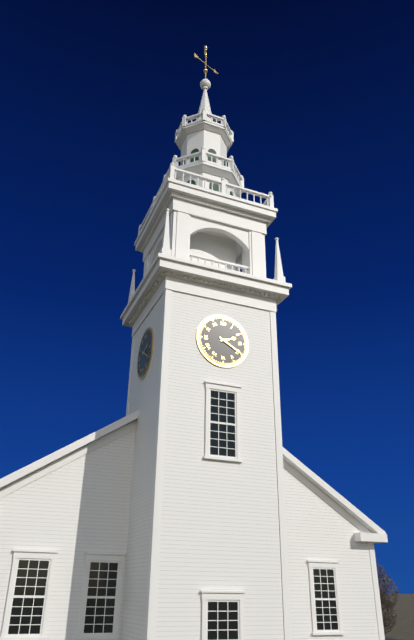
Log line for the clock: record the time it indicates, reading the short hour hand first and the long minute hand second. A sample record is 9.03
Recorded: 2.20
